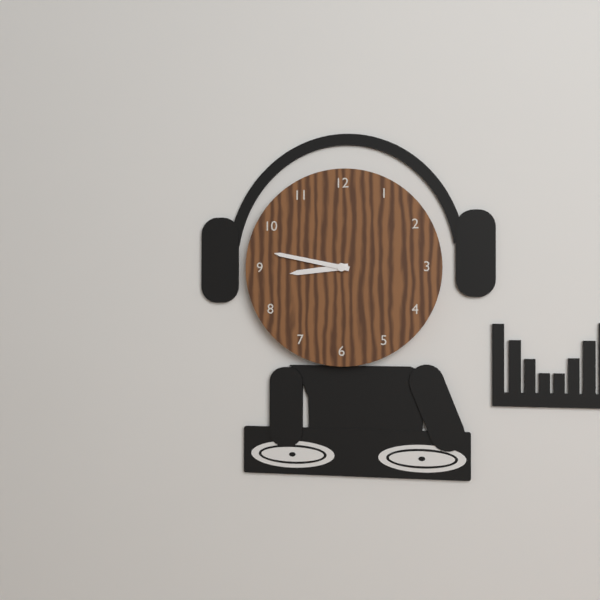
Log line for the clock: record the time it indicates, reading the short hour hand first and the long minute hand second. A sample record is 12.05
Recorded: 8.47
